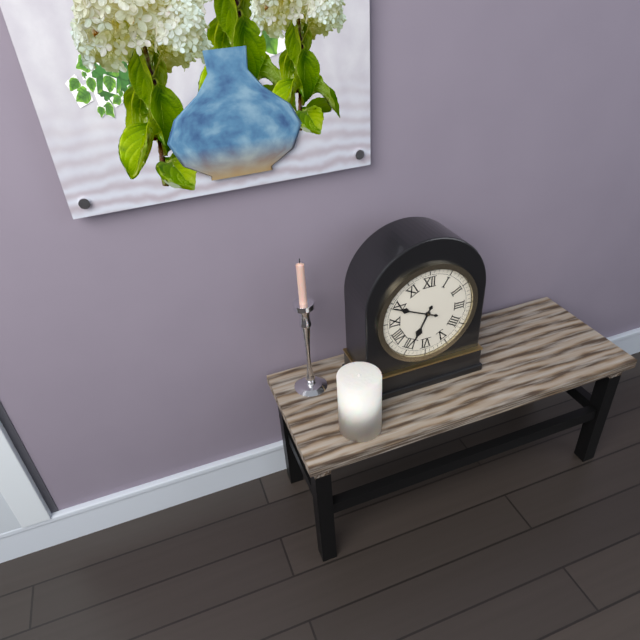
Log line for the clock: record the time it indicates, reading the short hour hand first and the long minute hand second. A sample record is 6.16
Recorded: 6.49
